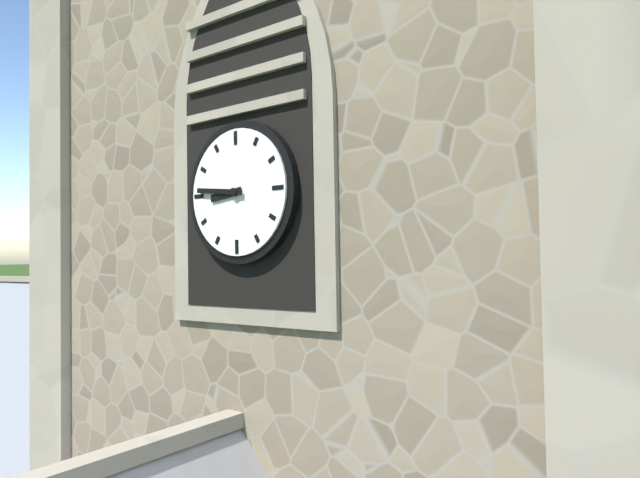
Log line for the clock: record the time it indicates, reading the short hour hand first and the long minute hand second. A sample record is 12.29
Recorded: 8.46
